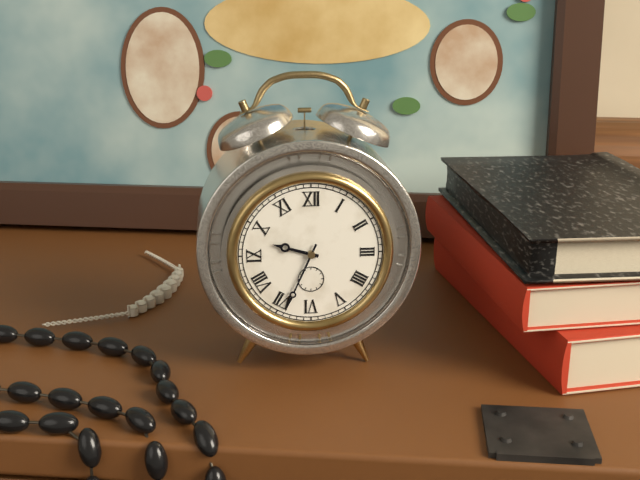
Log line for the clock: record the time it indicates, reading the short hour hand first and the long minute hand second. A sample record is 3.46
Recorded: 9.34
